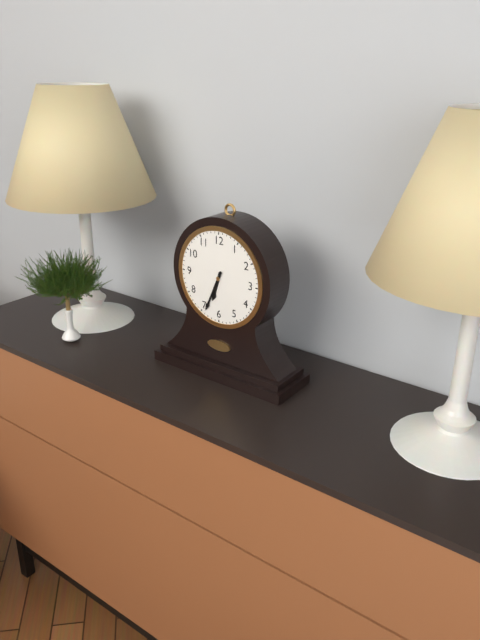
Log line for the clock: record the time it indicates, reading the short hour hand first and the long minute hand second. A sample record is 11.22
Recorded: 6.34
